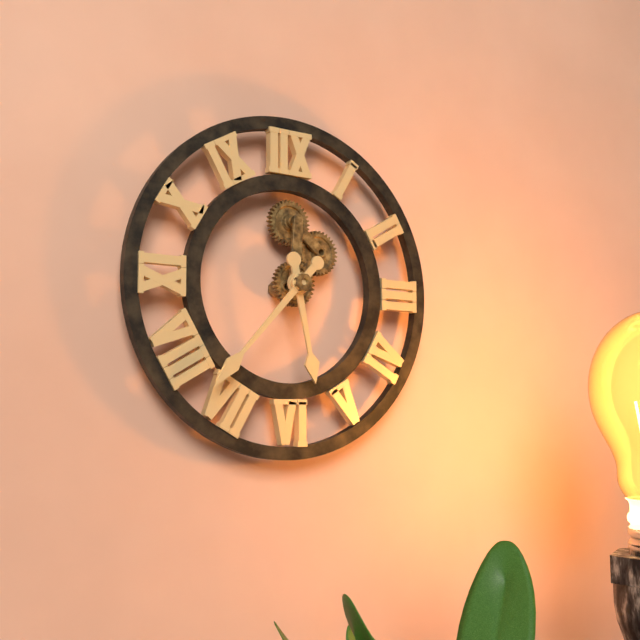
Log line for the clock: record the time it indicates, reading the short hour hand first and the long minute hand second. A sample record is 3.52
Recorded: 5.37
